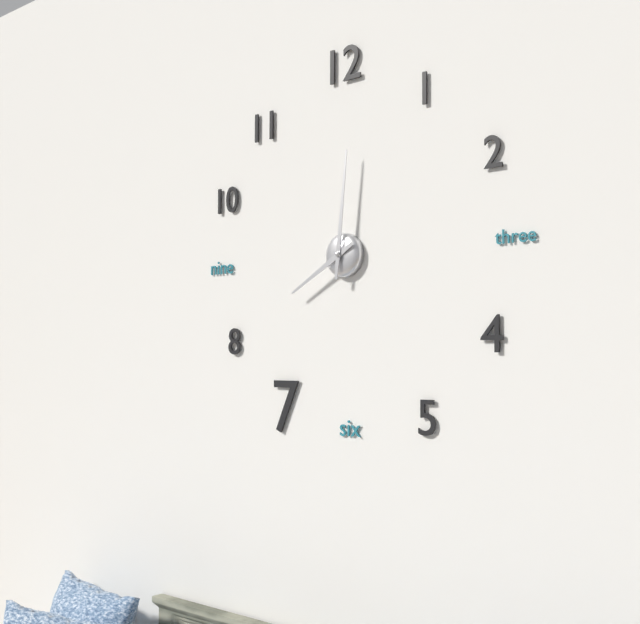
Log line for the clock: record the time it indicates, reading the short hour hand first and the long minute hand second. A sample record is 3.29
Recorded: 8.01
